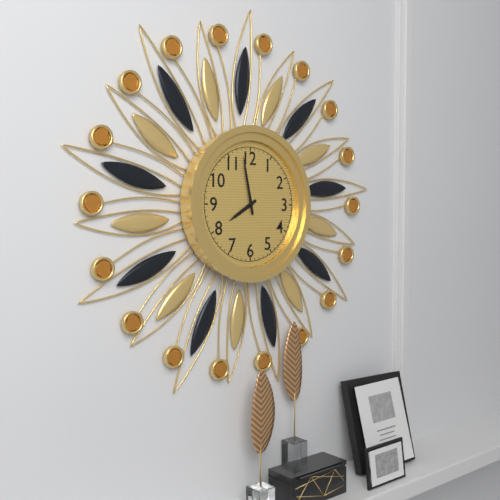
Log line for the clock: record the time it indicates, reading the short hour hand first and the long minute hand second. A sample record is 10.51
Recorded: 7.58
